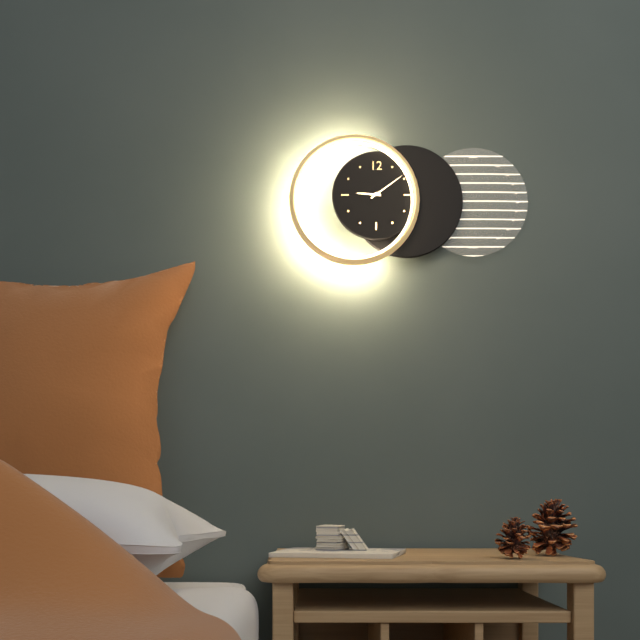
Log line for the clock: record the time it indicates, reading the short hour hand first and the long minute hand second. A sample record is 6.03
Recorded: 9.09
